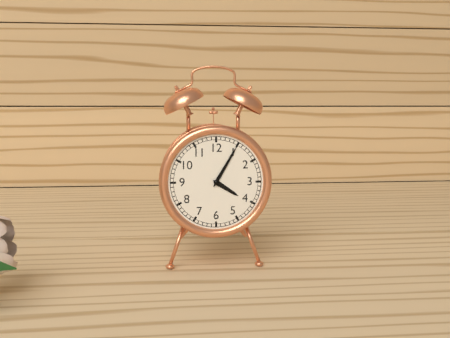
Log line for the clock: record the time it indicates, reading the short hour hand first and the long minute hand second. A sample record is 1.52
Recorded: 4.05
